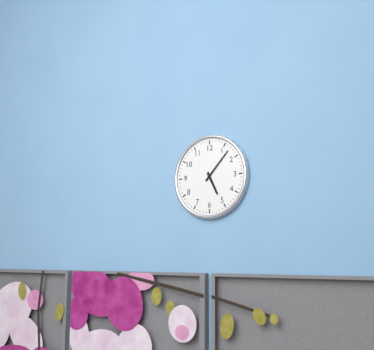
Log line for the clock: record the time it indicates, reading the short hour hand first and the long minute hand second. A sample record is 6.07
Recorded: 5.07
